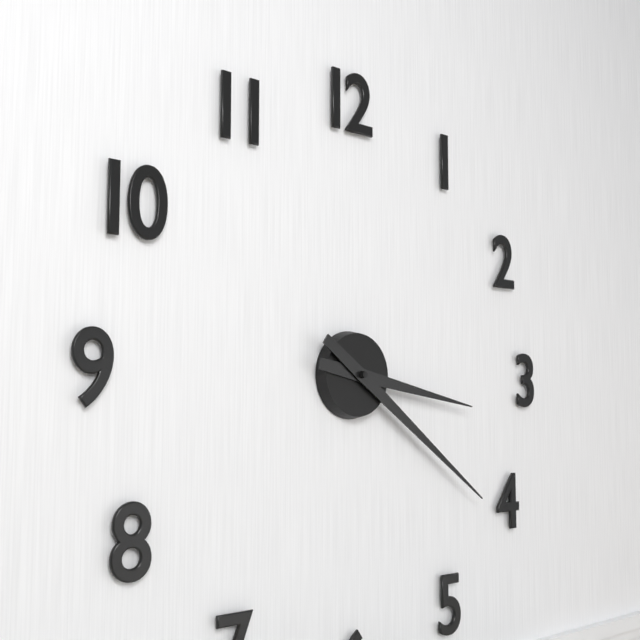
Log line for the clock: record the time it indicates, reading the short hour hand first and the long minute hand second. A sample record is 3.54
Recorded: 3.21
